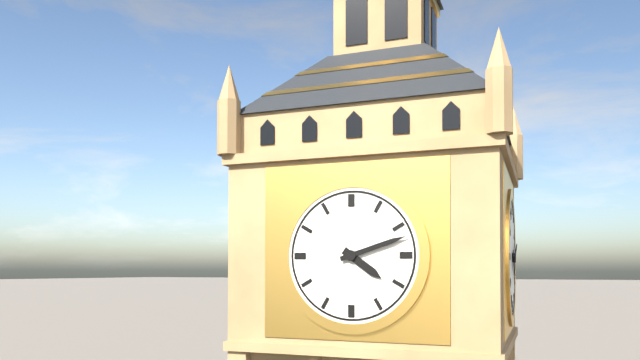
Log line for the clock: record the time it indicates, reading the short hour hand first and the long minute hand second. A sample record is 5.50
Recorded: 4.12
